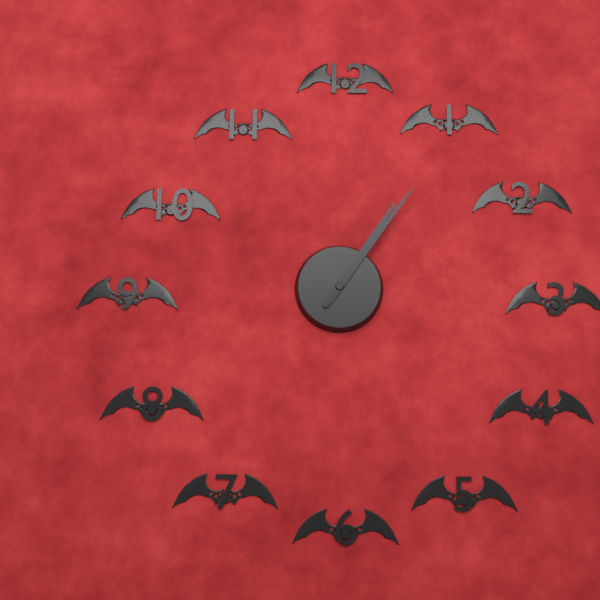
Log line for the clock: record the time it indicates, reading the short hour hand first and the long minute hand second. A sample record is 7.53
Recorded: 1.06
